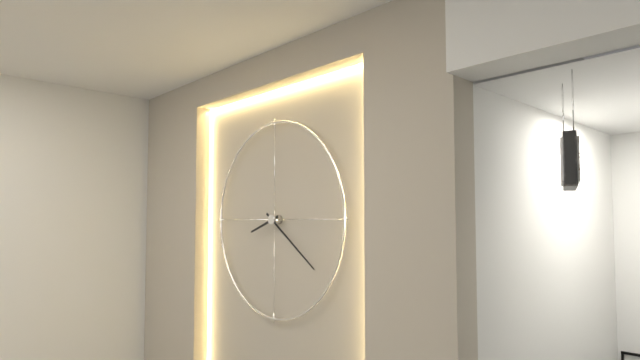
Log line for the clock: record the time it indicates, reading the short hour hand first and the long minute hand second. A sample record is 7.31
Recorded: 8.21
